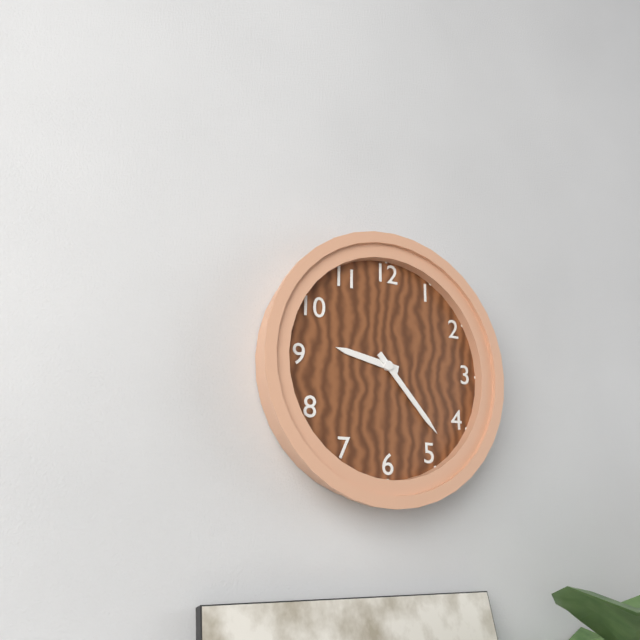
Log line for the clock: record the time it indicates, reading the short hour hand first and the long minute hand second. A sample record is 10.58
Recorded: 9.23
